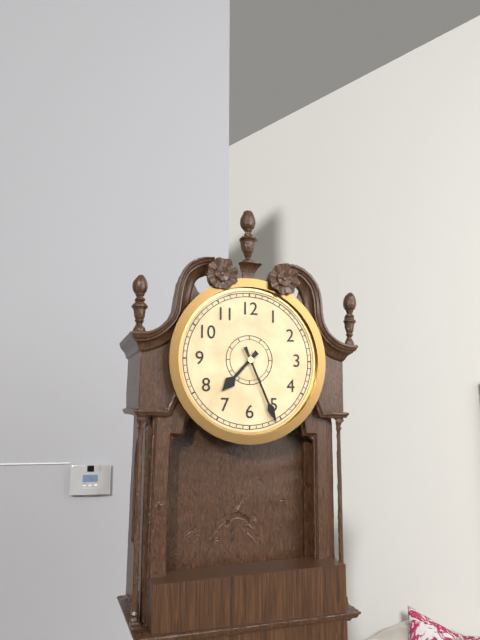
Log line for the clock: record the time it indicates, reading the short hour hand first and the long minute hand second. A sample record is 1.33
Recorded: 7.26
